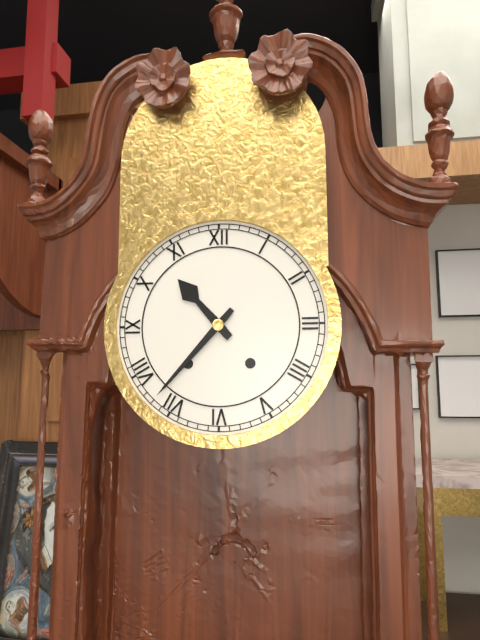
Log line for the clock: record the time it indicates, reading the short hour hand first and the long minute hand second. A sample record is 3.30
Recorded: 10.37
